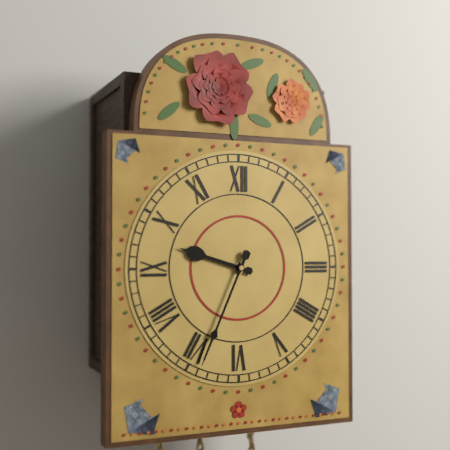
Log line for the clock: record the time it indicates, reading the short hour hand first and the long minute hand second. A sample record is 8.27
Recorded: 9.34
